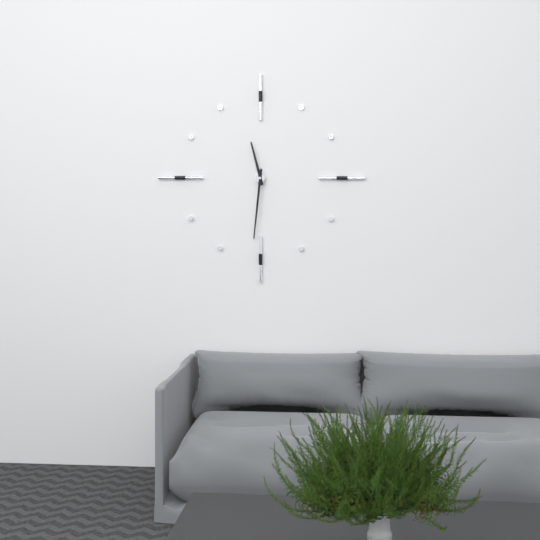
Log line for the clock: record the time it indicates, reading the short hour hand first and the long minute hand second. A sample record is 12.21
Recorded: 11.31
